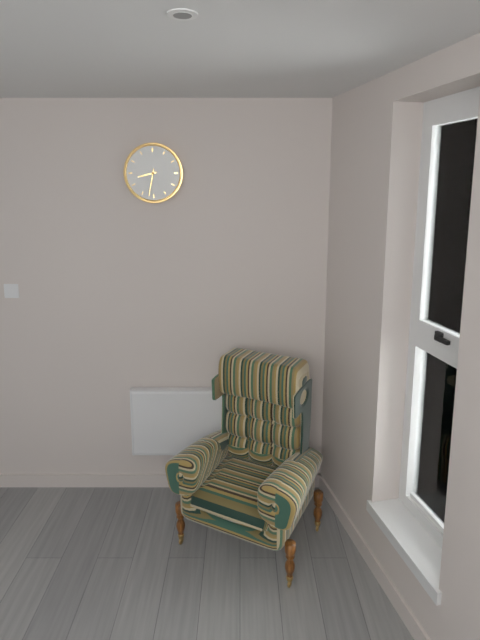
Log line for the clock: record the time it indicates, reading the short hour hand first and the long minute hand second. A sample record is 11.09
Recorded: 8.32
